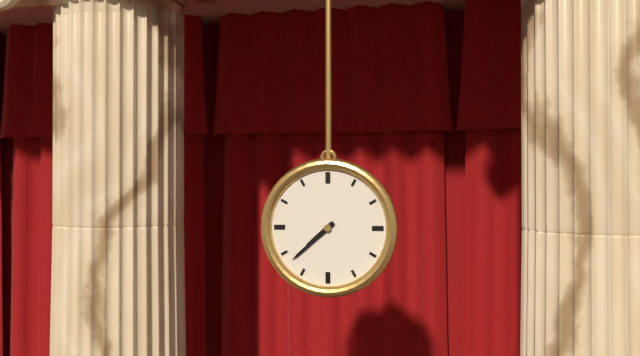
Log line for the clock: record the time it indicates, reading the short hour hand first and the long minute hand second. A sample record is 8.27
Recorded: 7.38
